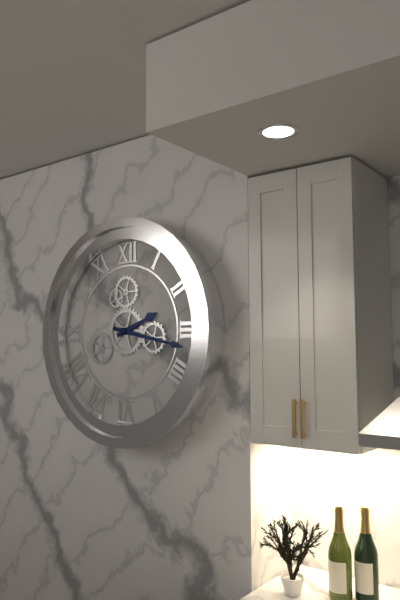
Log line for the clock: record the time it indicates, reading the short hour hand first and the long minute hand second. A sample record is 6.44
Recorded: 2.17
